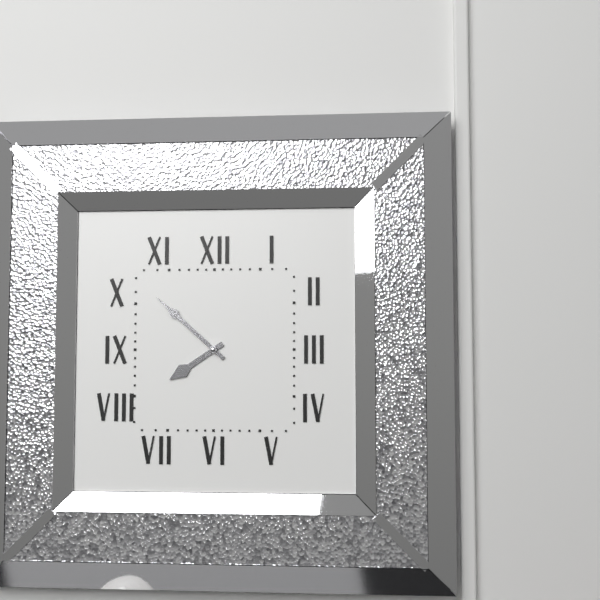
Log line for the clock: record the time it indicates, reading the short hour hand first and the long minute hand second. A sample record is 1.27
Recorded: 7.52
